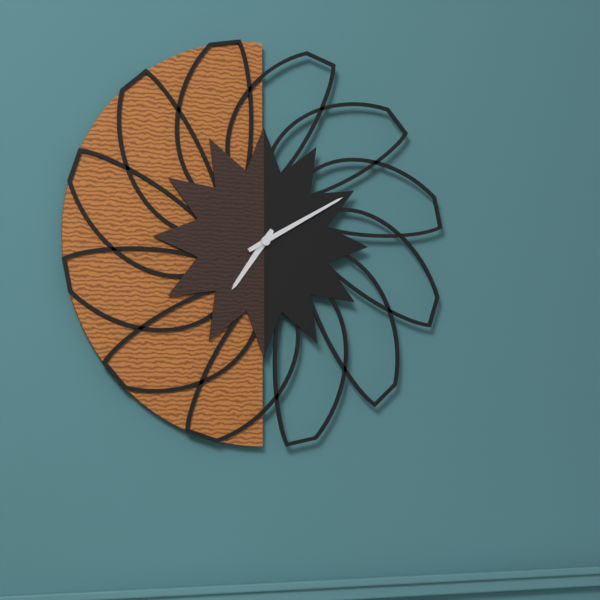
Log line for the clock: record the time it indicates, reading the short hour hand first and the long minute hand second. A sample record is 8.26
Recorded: 7.10
